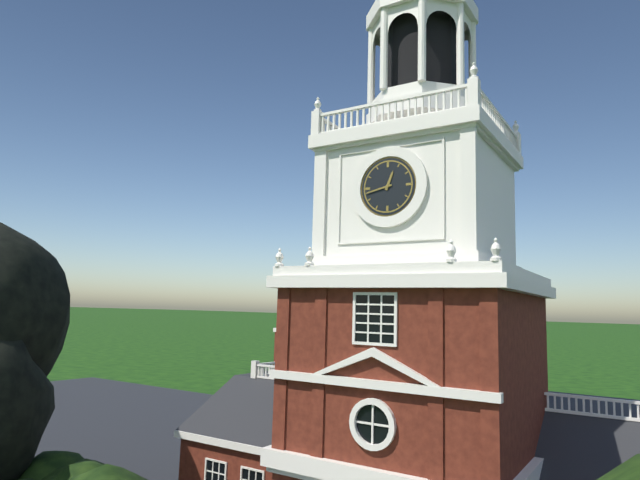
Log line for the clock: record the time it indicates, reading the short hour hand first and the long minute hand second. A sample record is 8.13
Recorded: 12.43
